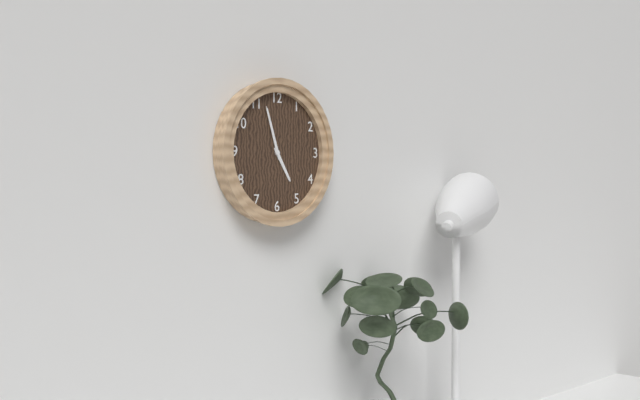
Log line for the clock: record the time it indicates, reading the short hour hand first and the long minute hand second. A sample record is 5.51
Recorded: 4.57
